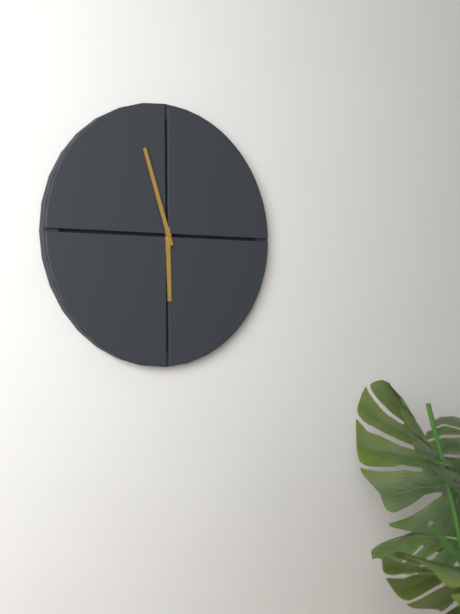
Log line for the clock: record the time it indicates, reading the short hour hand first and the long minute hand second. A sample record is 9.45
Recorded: 5.57
